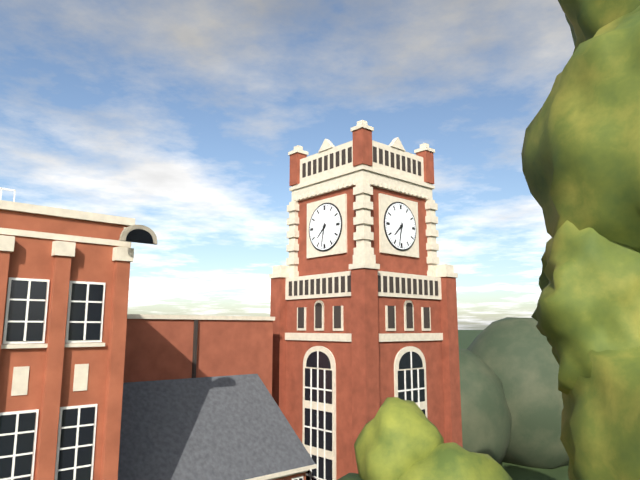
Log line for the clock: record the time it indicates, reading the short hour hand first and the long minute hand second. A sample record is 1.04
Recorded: 7.32
